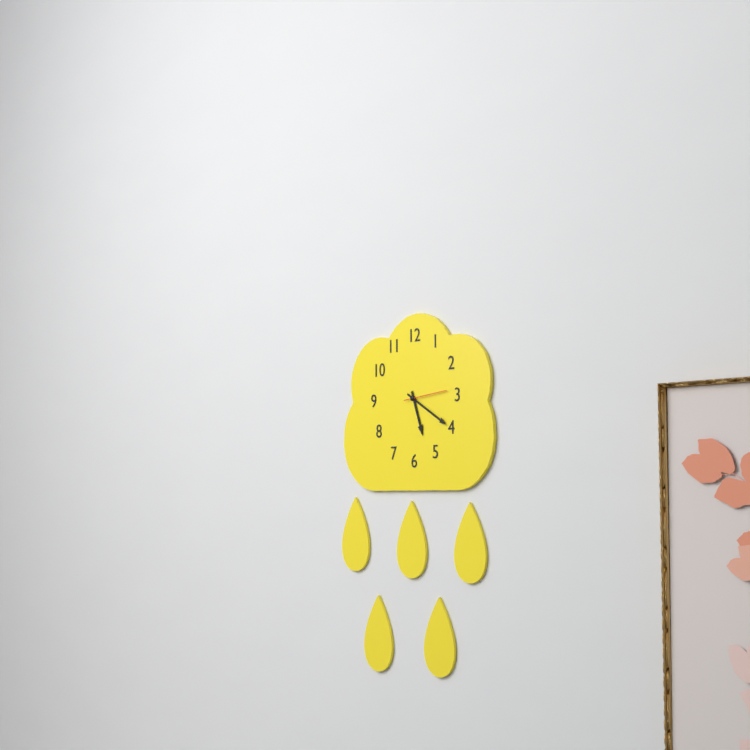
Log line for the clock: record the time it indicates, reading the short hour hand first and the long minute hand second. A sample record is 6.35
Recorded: 5.20
